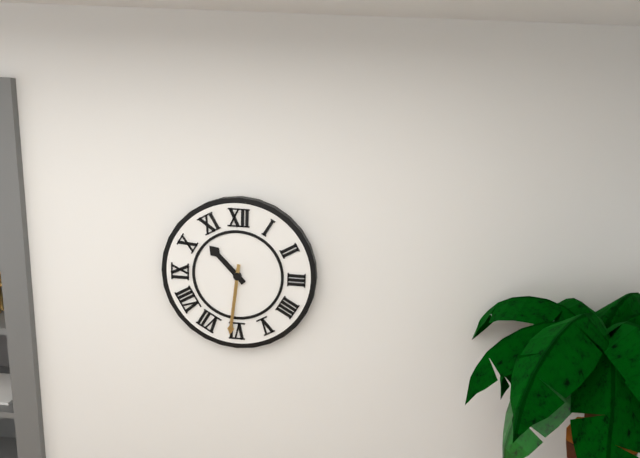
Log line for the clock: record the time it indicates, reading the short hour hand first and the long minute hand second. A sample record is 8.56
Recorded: 10.31
